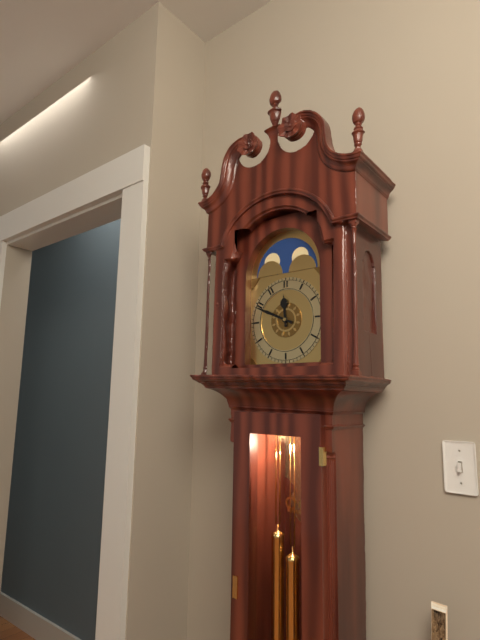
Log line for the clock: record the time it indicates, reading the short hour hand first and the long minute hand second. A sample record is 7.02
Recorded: 11.49
